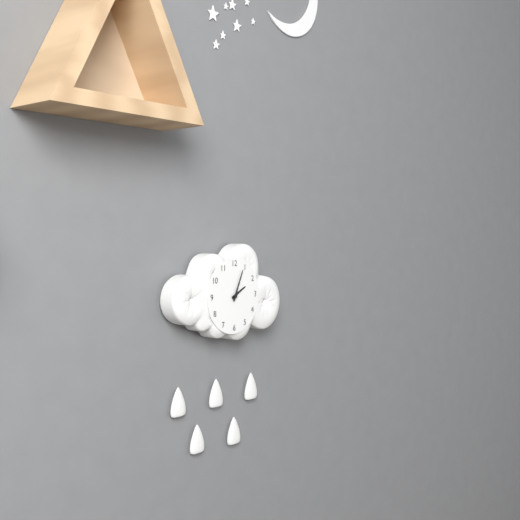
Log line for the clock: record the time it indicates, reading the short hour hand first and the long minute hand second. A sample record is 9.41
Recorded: 2.04
